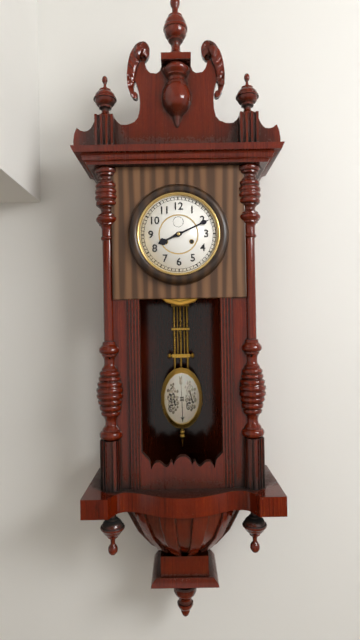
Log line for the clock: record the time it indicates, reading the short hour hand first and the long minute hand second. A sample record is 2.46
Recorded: 8.11
